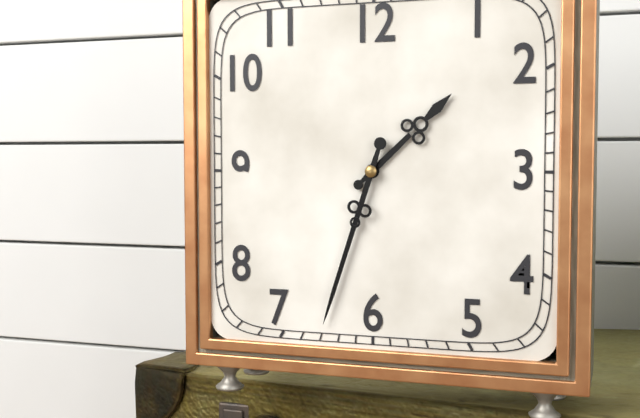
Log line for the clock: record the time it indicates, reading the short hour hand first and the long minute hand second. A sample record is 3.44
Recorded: 1.33
